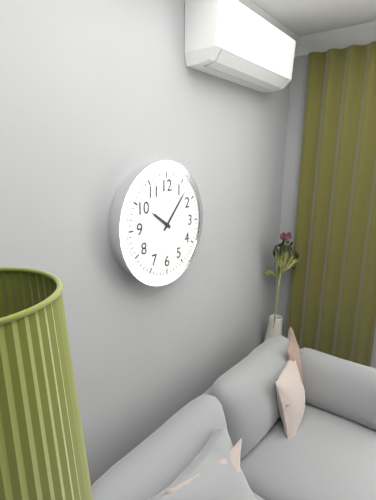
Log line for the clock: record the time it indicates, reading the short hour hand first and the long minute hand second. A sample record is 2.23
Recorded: 10.07
